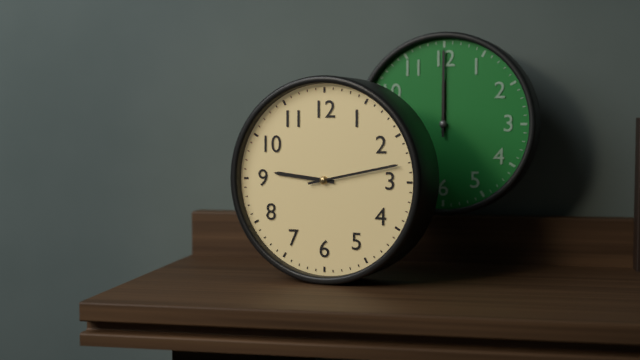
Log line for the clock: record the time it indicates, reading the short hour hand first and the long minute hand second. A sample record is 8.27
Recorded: 9.13
